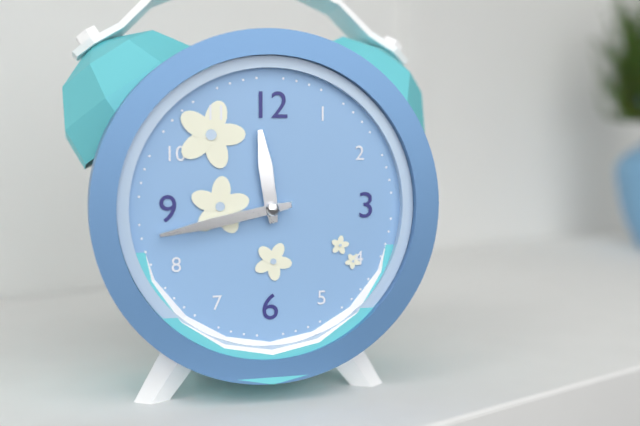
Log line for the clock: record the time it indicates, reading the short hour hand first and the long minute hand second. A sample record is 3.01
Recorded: 11.43
